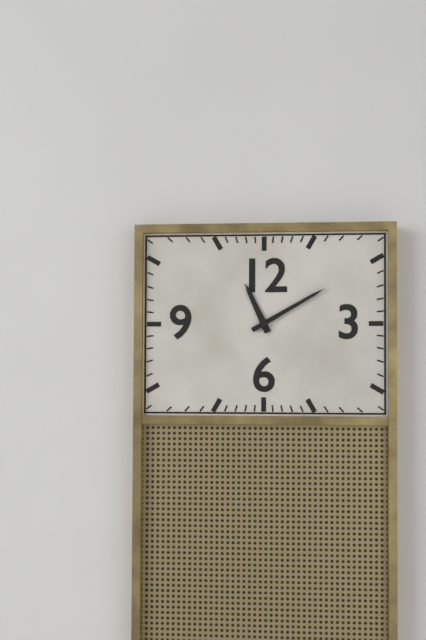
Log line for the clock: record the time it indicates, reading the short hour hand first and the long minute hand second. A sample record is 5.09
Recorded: 11.10
